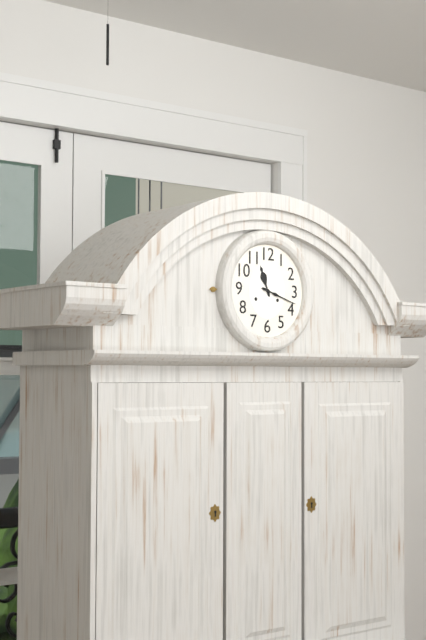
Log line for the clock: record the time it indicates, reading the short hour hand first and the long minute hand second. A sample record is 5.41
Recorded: 11.18
